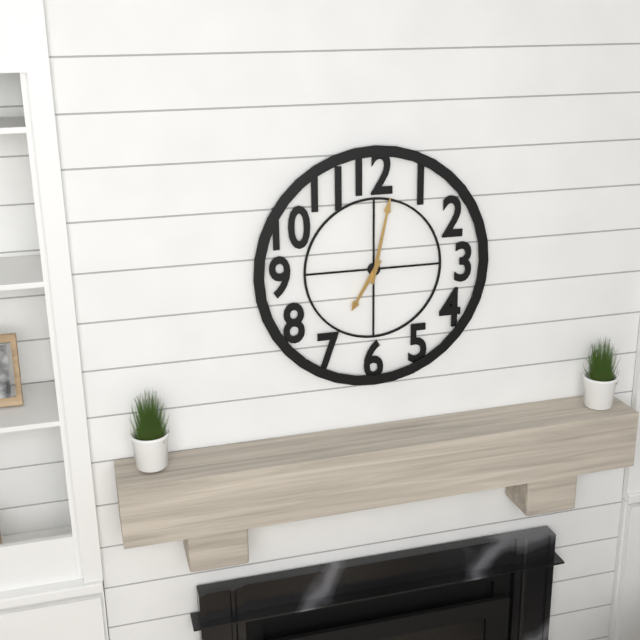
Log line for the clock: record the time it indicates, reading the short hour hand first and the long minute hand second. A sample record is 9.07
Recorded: 7.02
